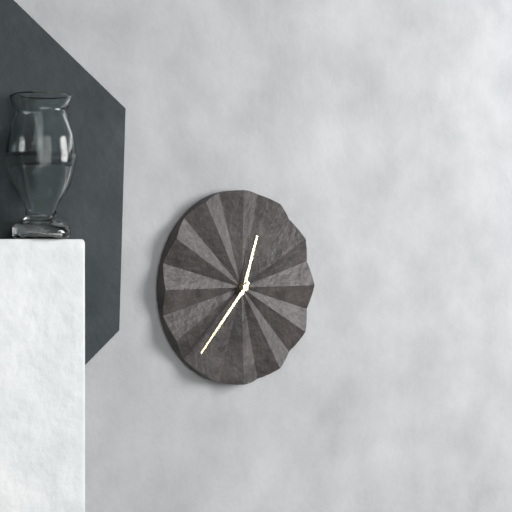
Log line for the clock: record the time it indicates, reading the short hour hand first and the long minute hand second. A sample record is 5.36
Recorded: 12.37
